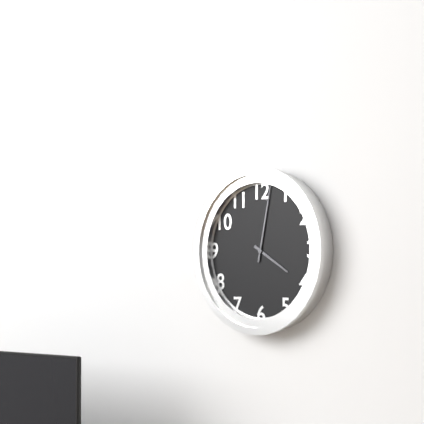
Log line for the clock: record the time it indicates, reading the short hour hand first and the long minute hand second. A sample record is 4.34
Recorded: 4.02
